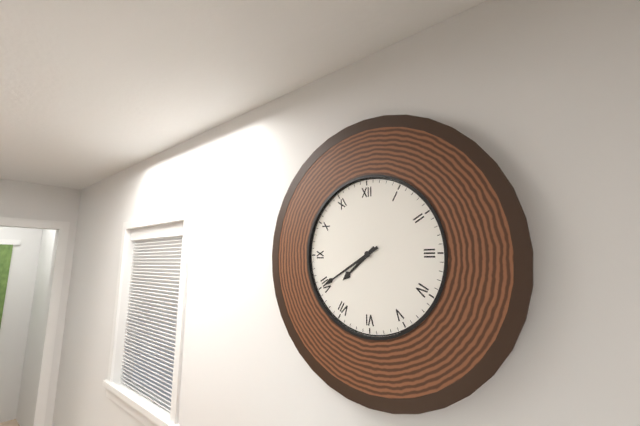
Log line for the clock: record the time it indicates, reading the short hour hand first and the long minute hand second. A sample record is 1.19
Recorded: 7.40
